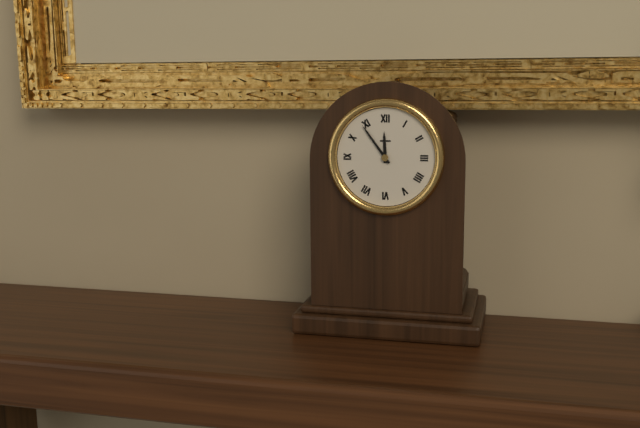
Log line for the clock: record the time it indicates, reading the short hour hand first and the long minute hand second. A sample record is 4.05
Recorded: 11.54
